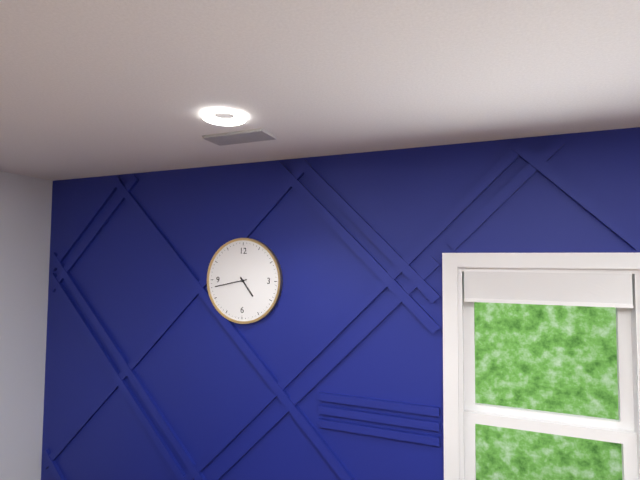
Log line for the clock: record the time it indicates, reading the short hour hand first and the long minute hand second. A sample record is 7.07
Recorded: 4.43
